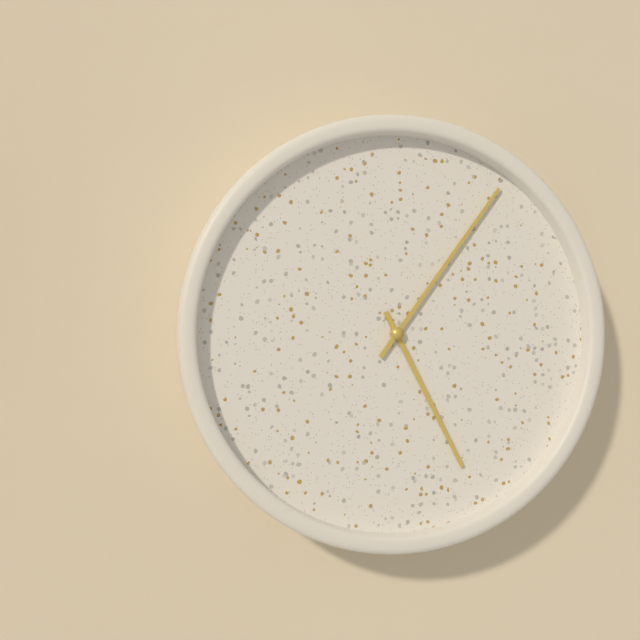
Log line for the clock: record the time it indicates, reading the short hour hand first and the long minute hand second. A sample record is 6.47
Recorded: 5.06
